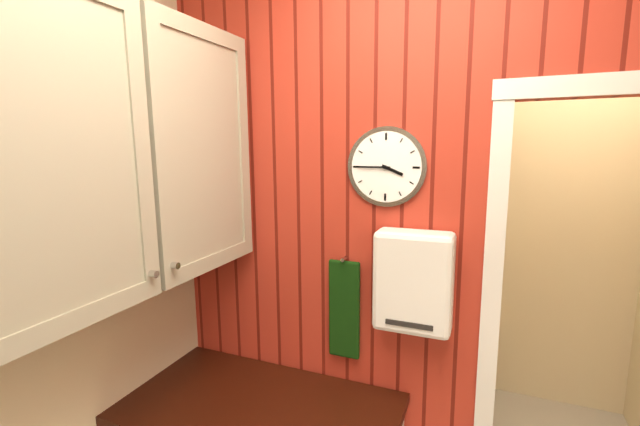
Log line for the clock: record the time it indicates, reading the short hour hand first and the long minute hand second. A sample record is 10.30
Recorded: 3.45
